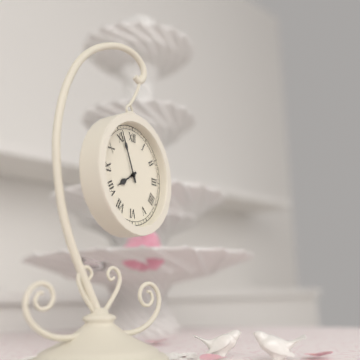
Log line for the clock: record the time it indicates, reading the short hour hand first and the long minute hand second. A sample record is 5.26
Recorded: 7.56
